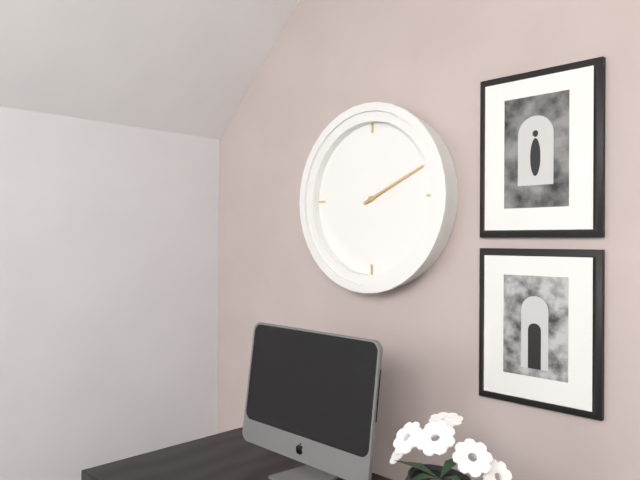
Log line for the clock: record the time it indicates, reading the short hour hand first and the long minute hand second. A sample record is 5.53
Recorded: 2.11
